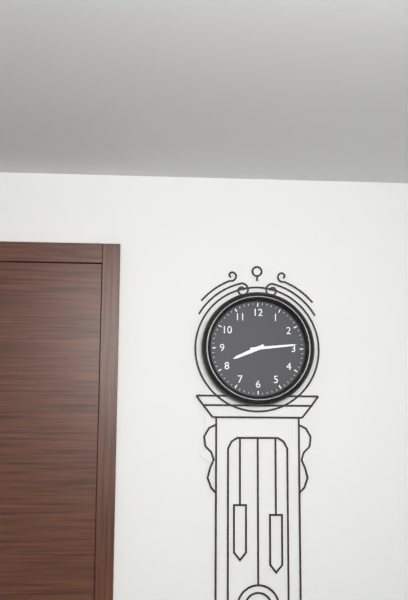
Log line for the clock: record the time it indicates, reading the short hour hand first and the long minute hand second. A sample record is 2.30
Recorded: 8.14
